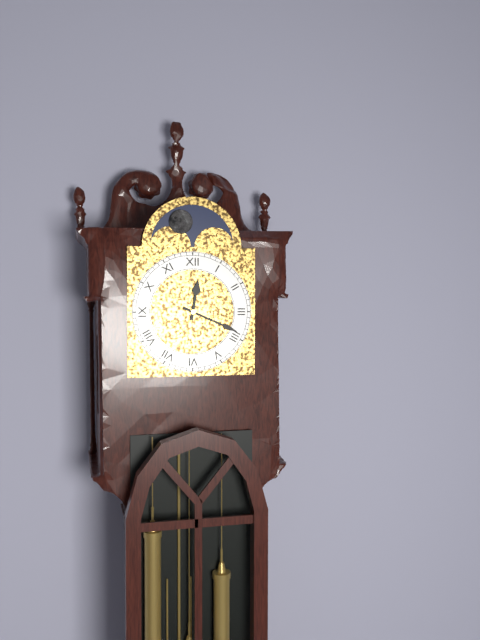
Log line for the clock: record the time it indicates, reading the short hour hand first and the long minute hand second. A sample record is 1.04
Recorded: 12.19
